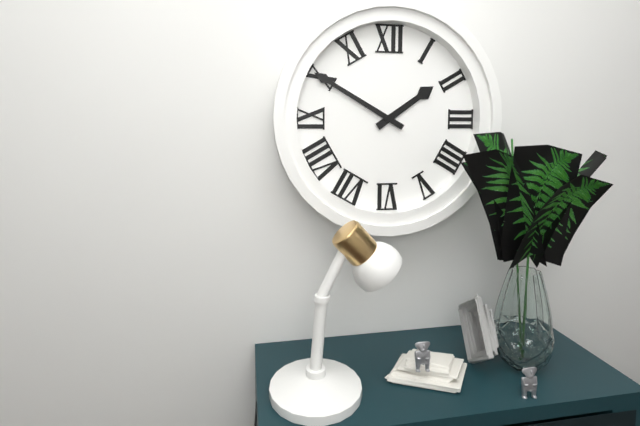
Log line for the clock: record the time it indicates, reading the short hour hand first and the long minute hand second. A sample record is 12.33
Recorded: 1.50
